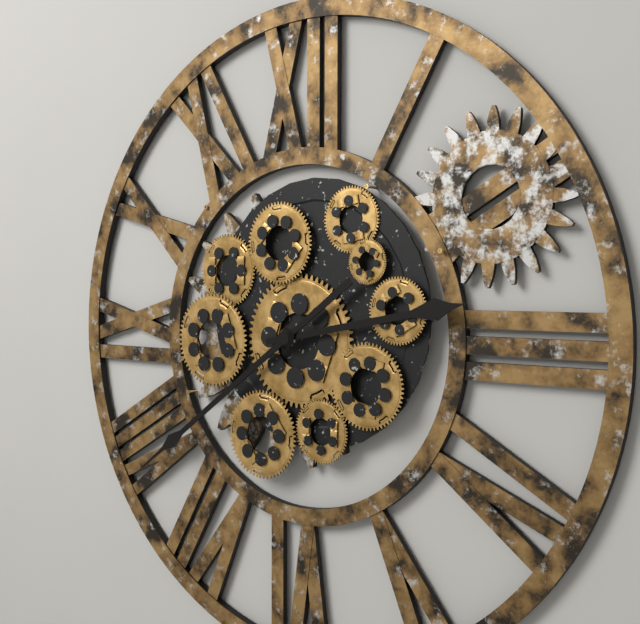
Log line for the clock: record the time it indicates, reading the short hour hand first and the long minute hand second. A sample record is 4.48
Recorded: 2.39
